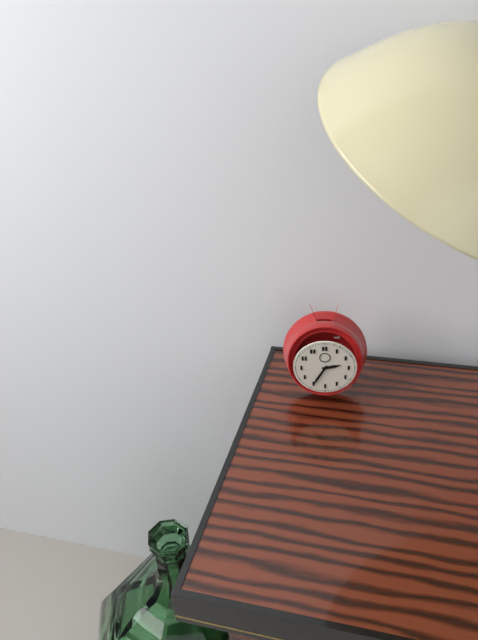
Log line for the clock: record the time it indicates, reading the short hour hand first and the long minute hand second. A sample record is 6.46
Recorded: 2.35
